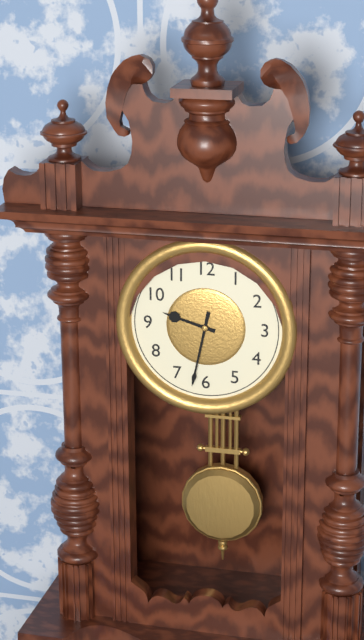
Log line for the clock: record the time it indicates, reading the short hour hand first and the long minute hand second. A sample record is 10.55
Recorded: 9.32
